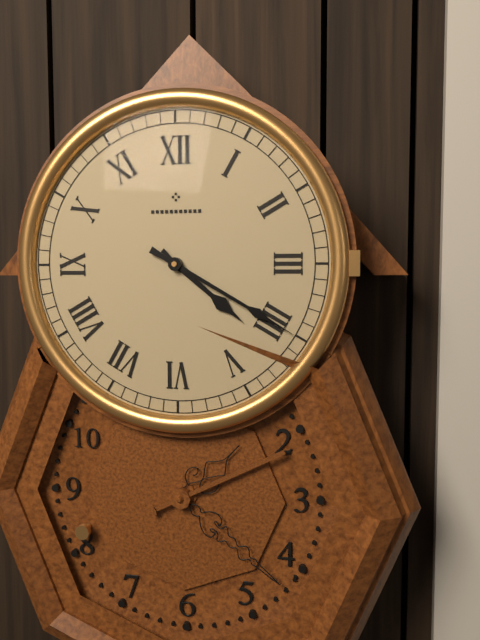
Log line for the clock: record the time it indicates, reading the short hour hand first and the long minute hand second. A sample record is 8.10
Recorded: 4.20
